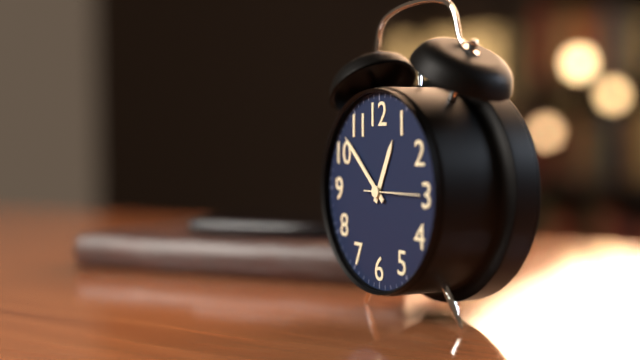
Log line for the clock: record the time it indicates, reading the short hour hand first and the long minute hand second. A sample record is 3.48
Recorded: 12.52
